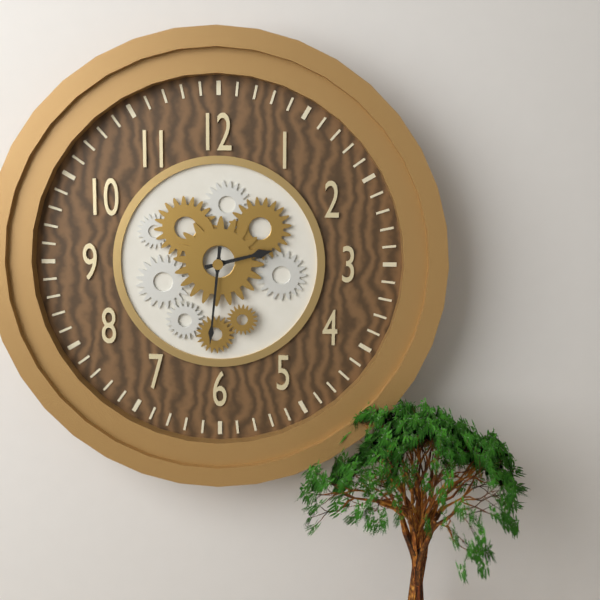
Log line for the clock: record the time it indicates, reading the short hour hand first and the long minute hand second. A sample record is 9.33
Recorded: 2.31
